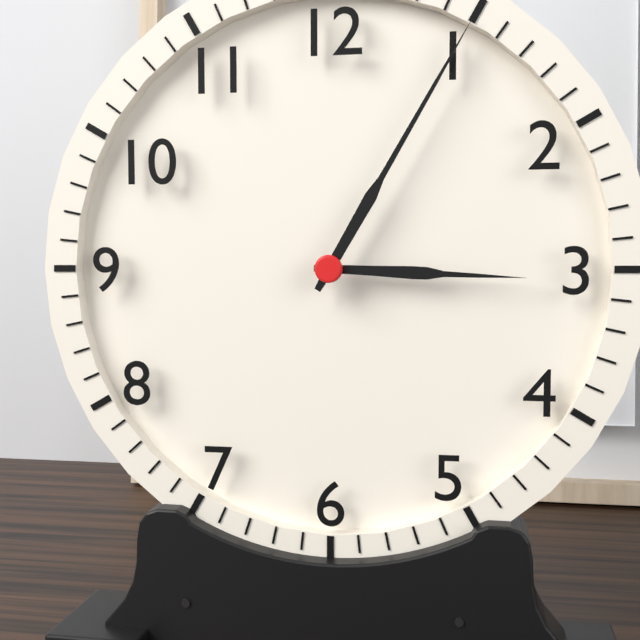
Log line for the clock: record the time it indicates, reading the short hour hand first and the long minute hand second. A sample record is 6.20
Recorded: 3.05
